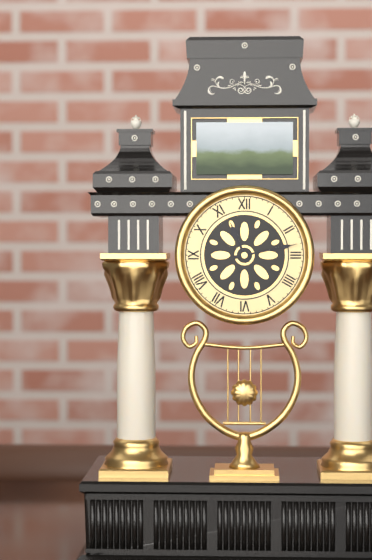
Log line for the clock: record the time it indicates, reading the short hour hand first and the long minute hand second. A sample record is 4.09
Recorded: 11.13
